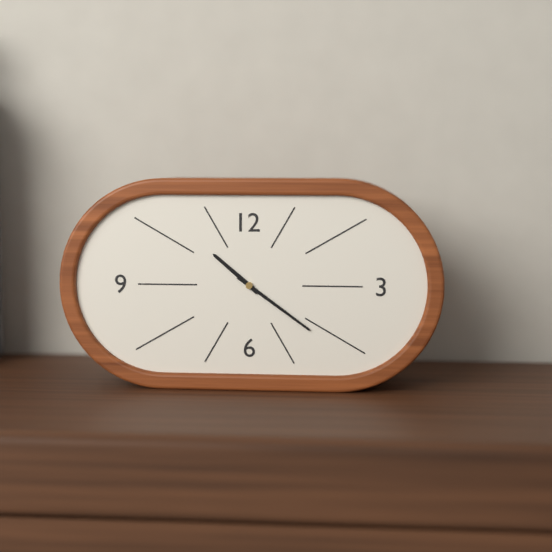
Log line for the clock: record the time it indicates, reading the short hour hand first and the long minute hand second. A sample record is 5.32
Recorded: 10.21
